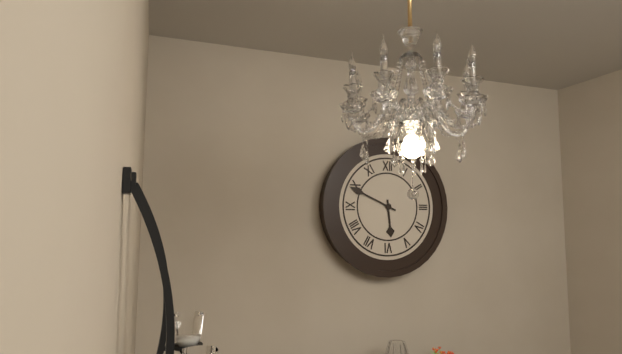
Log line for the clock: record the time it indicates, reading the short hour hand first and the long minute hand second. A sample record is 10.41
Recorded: 5.49
